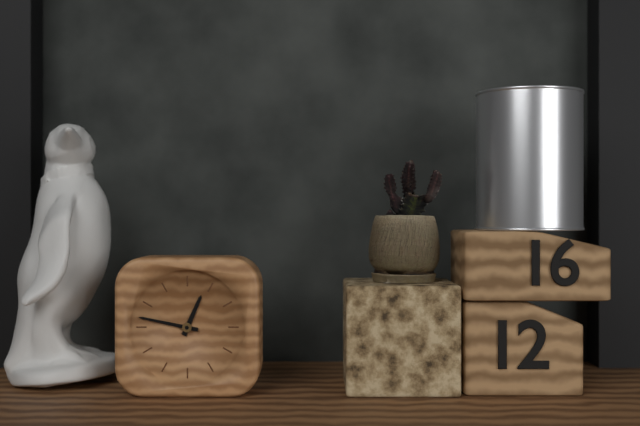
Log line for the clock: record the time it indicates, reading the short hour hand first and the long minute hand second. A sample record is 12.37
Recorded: 12.47
